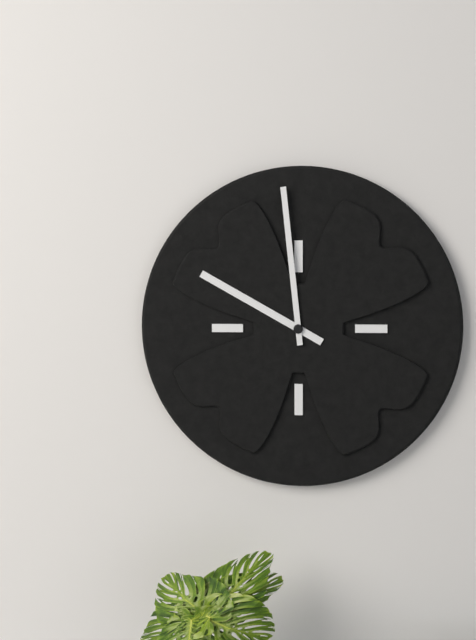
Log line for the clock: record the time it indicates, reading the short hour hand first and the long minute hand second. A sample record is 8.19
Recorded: 9.59
